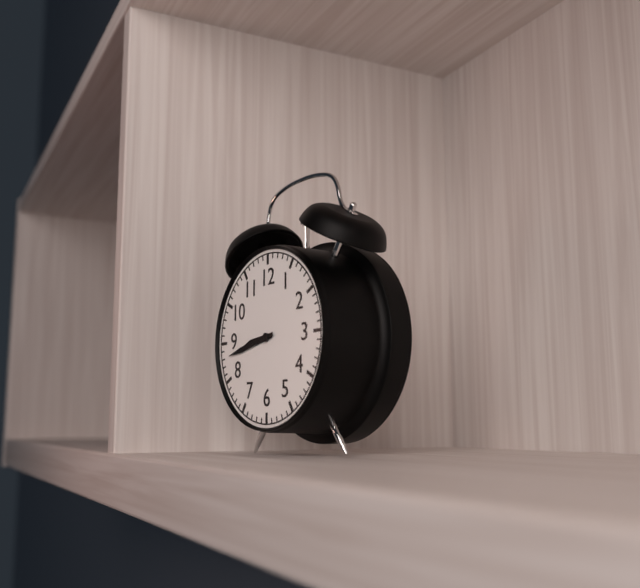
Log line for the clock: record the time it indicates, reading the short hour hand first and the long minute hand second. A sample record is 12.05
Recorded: 8.43
